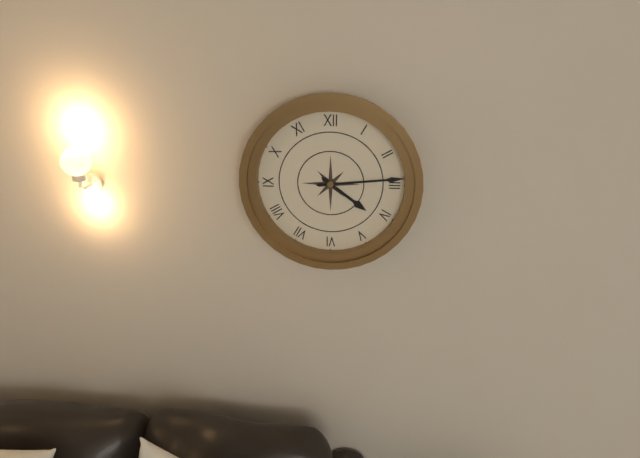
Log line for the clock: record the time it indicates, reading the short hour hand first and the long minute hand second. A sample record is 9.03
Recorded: 4.14
